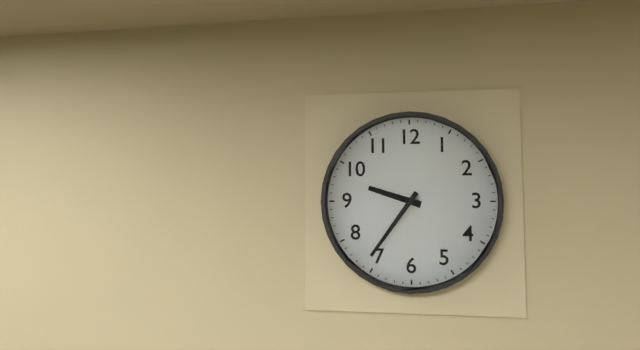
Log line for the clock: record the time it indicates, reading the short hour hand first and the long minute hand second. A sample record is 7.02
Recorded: 9.36
